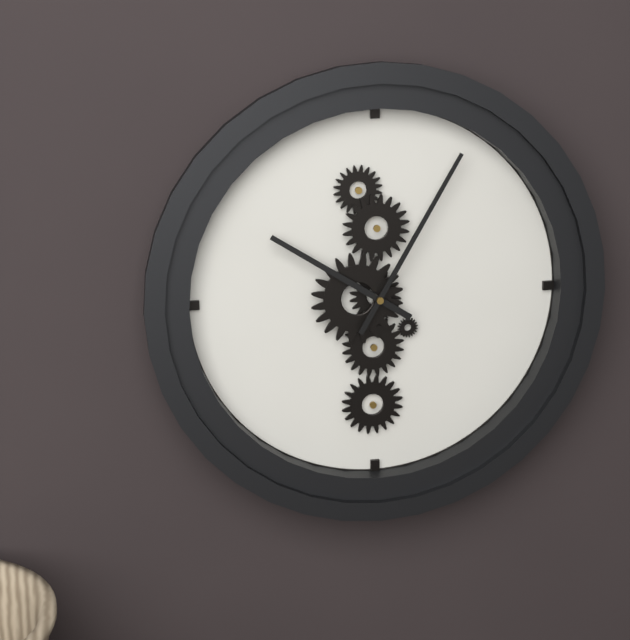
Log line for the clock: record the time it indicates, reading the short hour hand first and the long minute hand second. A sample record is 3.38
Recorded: 10.05
